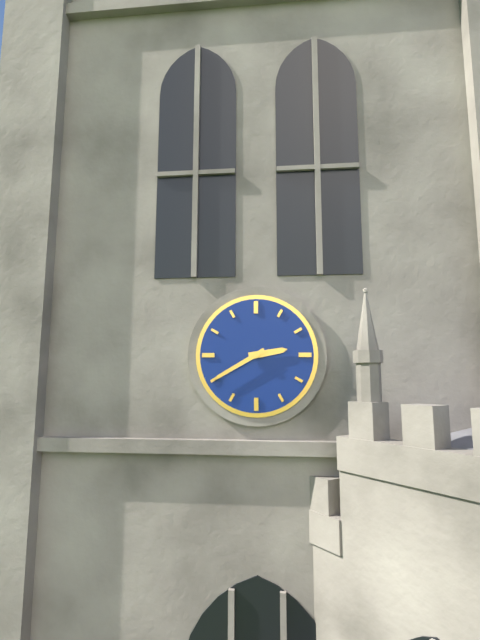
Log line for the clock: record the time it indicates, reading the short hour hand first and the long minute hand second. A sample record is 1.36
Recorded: 2.40
